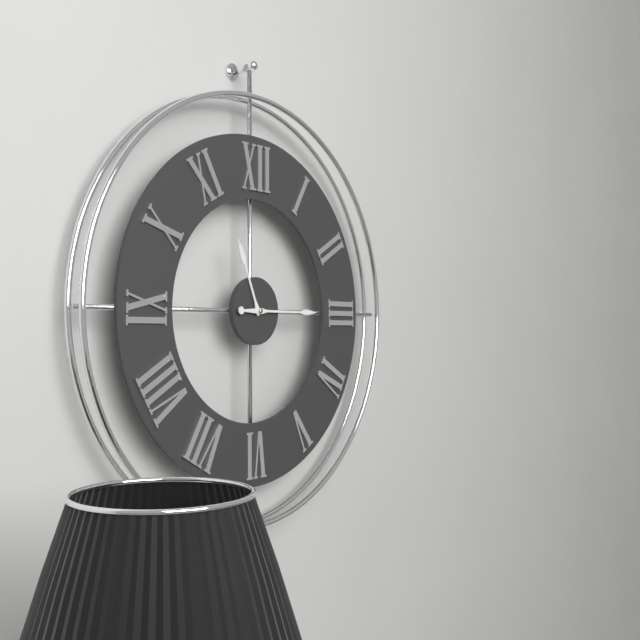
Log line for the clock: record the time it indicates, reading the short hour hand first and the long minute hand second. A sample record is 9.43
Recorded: 11.15
